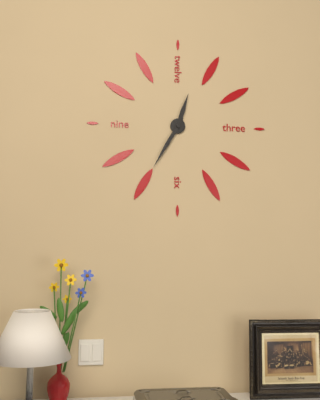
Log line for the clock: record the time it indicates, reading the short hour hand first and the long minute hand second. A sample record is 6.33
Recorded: 12.35
